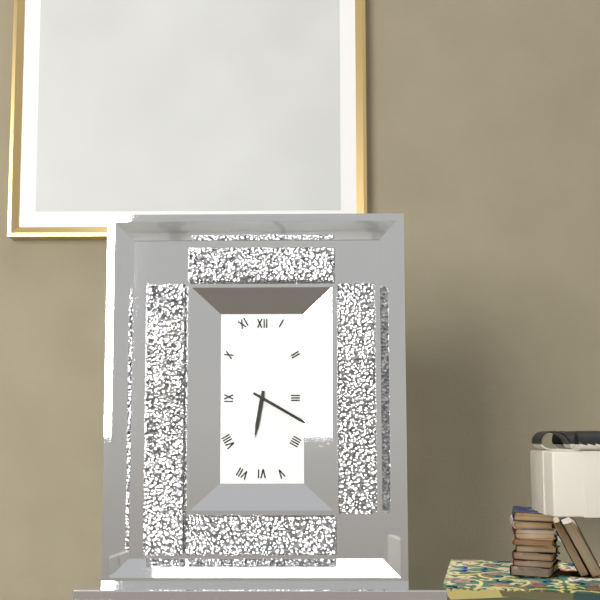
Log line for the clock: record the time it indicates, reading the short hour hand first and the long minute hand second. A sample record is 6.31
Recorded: 6.20
